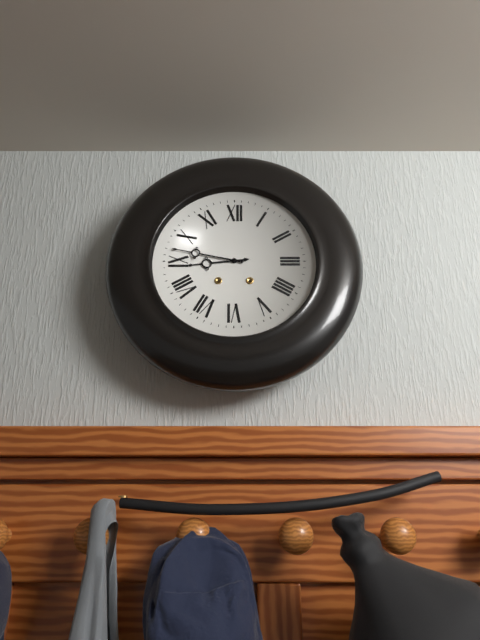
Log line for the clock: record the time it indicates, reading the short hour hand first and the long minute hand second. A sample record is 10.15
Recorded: 8.47
